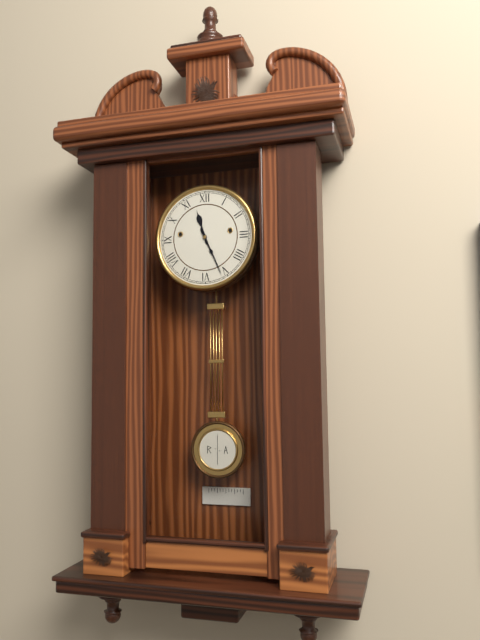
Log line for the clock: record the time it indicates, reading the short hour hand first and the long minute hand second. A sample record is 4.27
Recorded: 11.26
